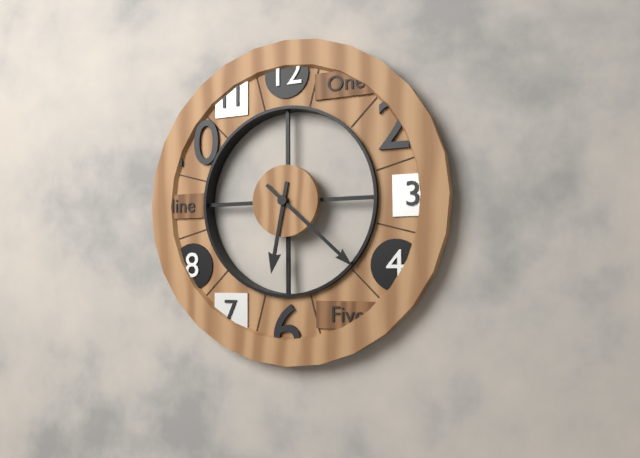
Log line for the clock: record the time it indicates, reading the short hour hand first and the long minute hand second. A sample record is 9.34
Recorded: 6.22
